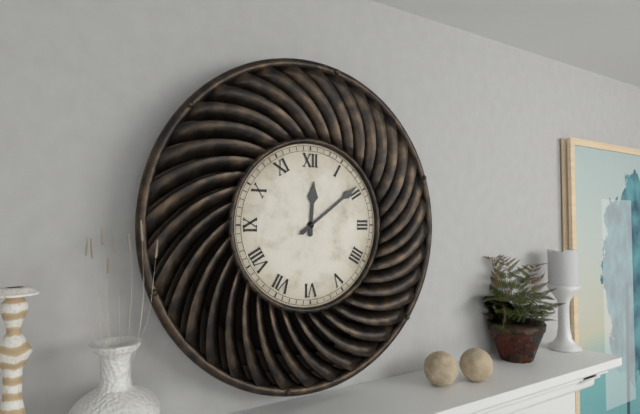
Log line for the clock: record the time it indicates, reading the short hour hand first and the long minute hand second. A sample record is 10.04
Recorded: 12.09
